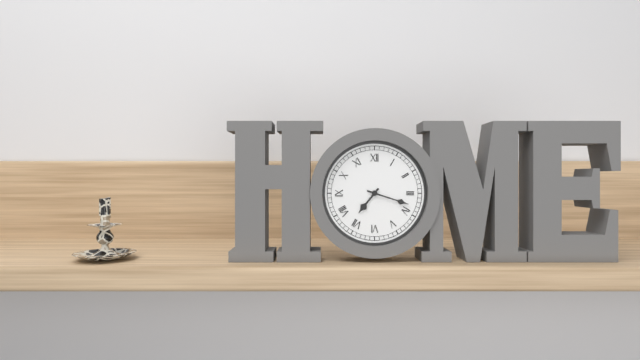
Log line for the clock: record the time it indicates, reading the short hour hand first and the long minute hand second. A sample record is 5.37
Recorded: 7.18
